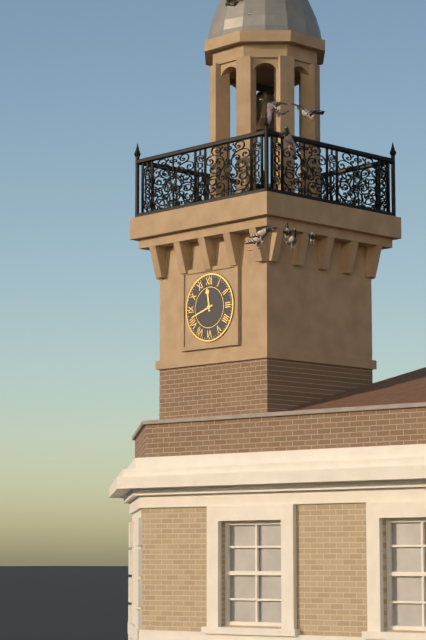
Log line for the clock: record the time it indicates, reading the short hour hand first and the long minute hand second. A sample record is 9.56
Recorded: 11.42
